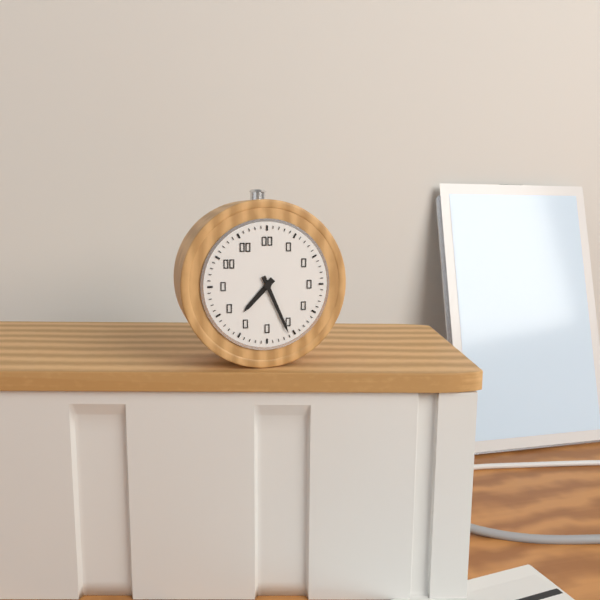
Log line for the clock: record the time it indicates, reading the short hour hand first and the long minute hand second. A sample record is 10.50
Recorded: 7.26
